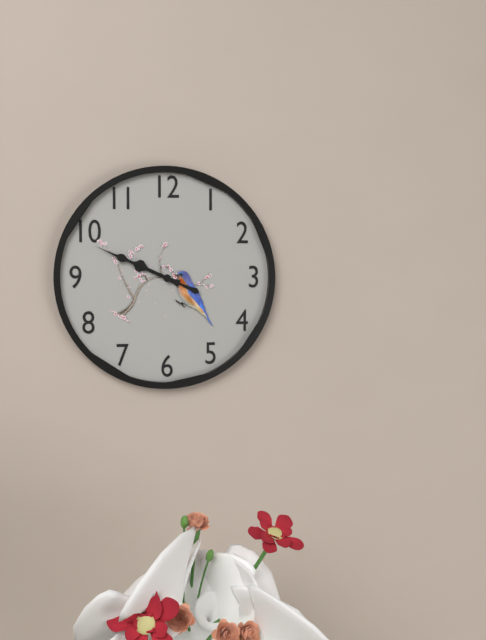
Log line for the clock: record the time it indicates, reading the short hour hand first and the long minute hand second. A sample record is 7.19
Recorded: 9.49
